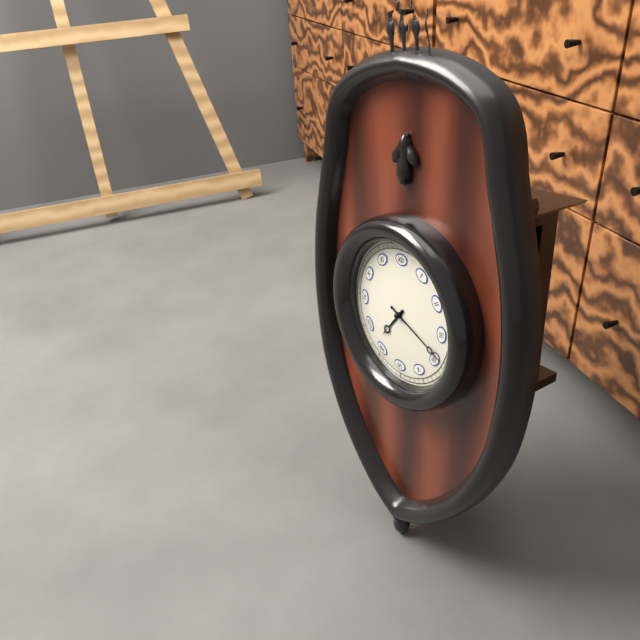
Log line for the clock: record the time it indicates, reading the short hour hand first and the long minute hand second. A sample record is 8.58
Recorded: 7.19
